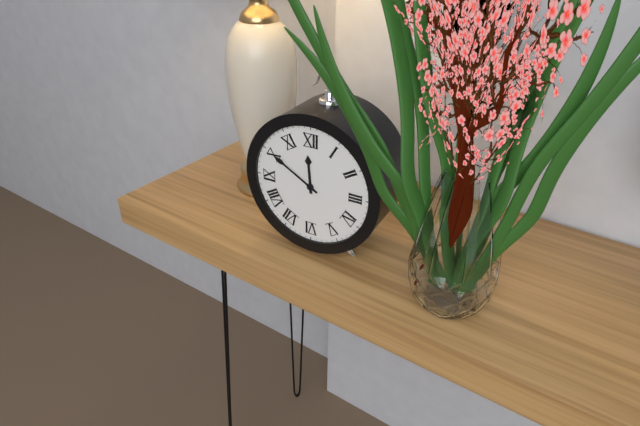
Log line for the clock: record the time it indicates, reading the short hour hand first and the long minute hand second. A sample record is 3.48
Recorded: 11.50
